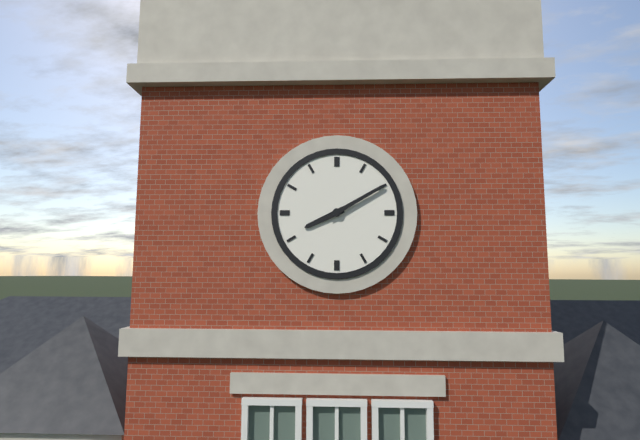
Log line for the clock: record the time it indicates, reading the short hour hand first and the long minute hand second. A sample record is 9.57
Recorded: 8.10
